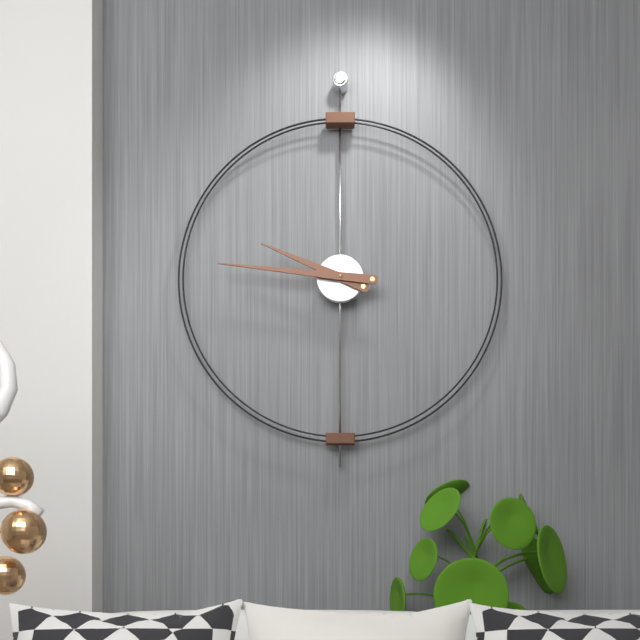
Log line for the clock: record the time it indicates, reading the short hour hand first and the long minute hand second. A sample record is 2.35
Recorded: 9.46
